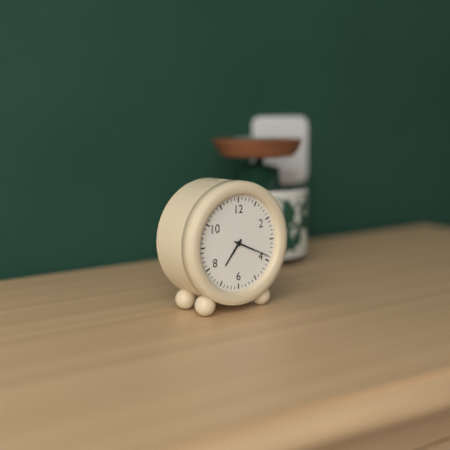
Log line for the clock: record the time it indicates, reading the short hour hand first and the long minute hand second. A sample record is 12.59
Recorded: 7.19
